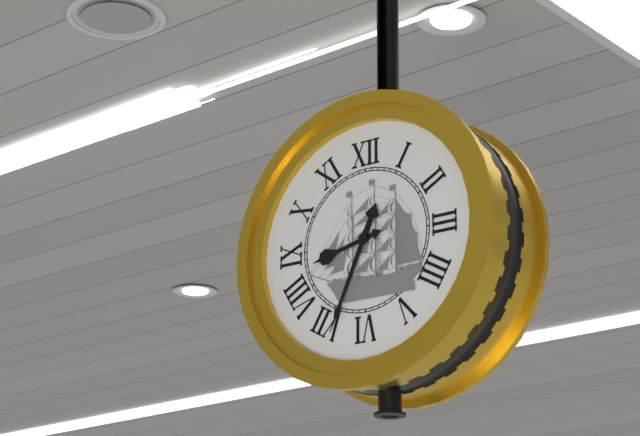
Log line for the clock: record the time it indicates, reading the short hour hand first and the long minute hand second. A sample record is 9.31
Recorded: 8.34
